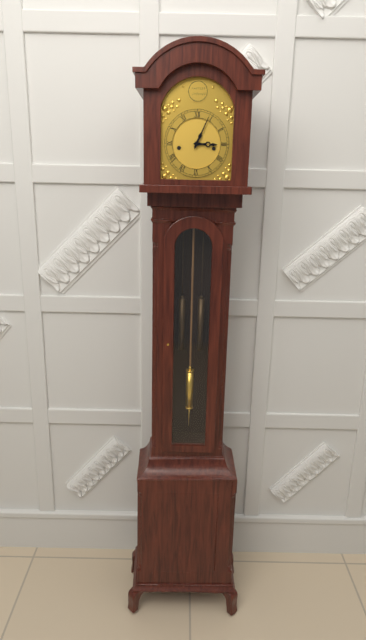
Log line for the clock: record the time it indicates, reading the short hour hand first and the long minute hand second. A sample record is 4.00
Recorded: 3.04
